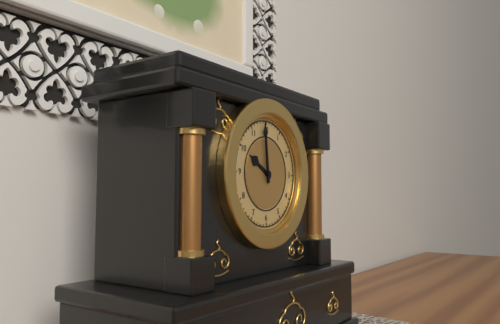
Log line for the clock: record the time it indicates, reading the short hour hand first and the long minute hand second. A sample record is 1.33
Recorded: 9.59
